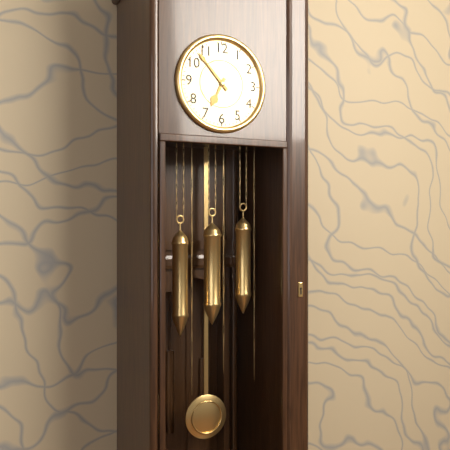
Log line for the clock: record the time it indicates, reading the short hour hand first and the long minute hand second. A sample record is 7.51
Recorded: 6.53
